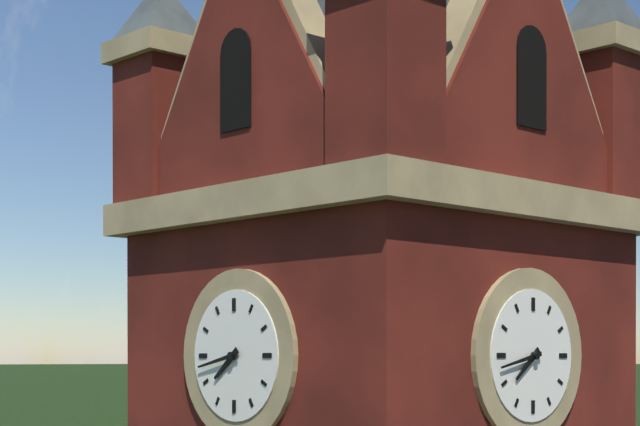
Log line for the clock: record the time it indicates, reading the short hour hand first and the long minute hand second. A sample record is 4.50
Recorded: 7.43
